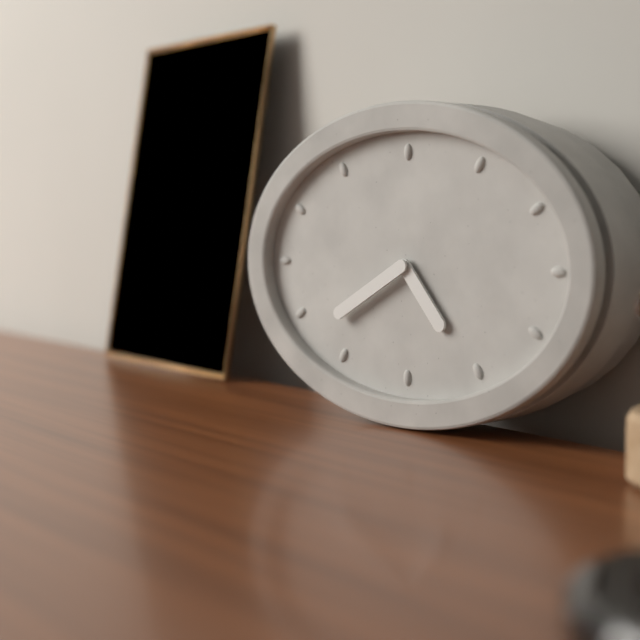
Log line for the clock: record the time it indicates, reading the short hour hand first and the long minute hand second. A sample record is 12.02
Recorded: 4.40
